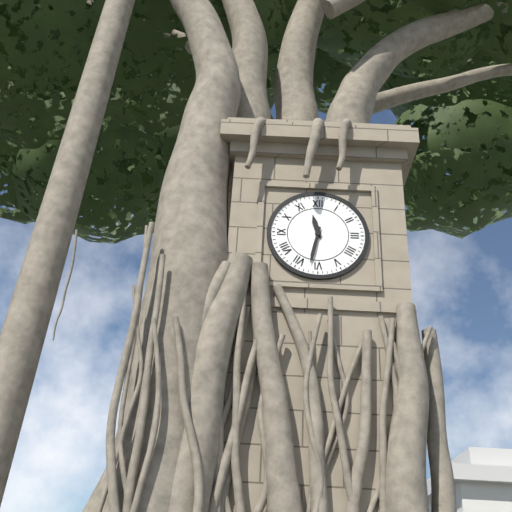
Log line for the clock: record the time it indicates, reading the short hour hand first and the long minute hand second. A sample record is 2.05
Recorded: 11.32
